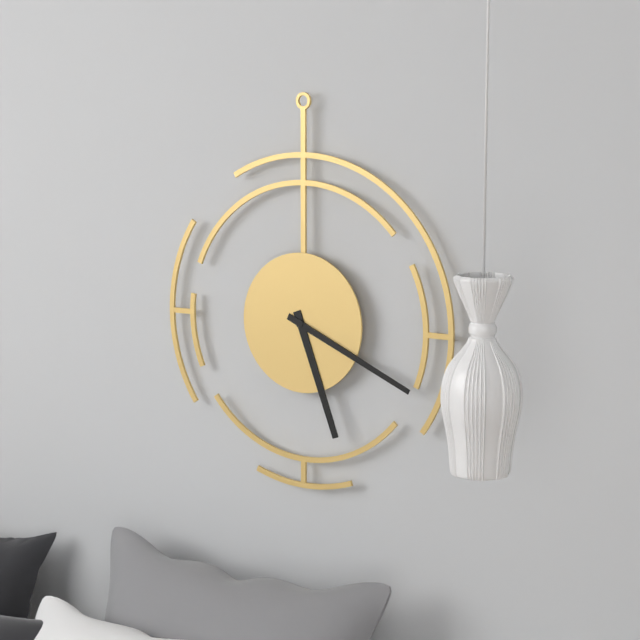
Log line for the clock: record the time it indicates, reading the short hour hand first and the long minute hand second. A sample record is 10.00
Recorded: 5.19
